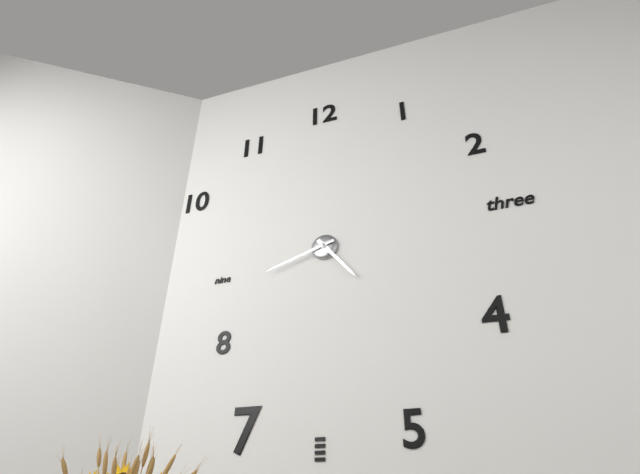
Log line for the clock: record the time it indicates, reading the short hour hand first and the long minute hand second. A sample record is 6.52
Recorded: 4.42
